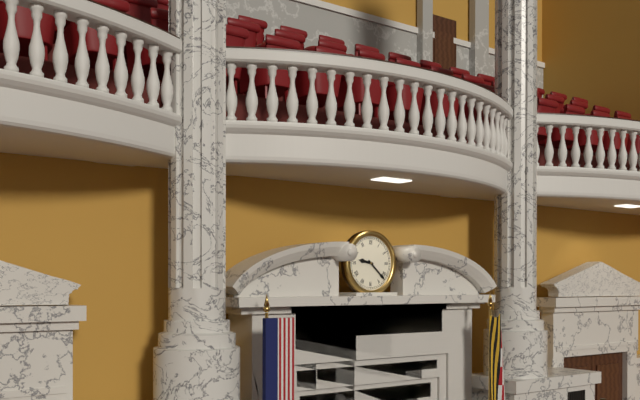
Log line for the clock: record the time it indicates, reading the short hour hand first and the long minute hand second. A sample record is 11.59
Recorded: 9.22
